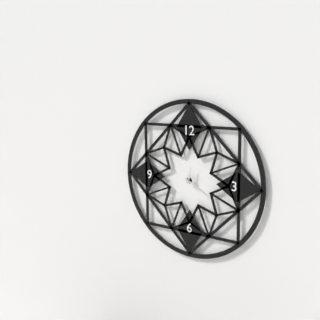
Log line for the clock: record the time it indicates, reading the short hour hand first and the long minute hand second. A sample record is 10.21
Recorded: 12.20
